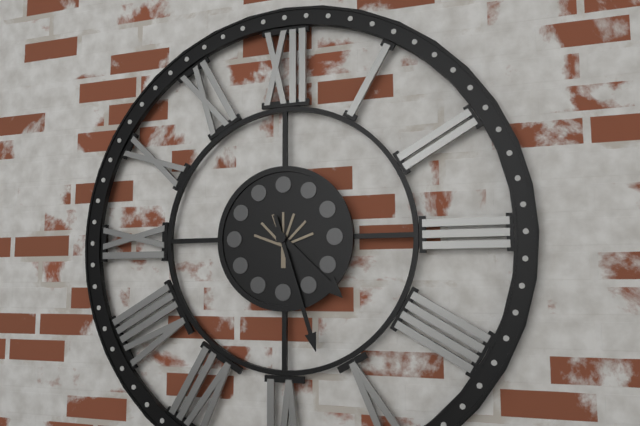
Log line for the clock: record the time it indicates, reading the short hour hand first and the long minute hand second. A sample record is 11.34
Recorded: 4.27
